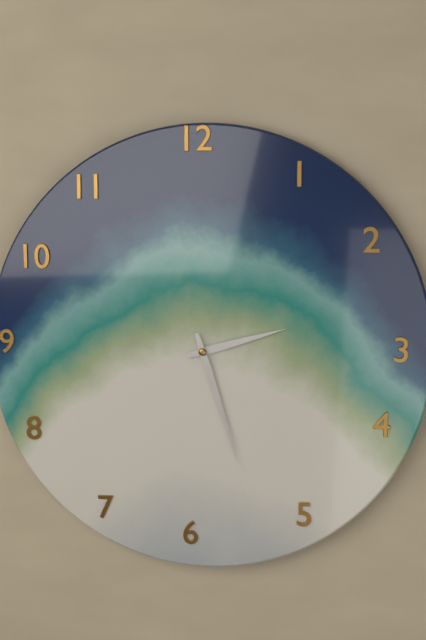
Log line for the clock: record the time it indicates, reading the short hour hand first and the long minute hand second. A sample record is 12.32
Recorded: 2.27
